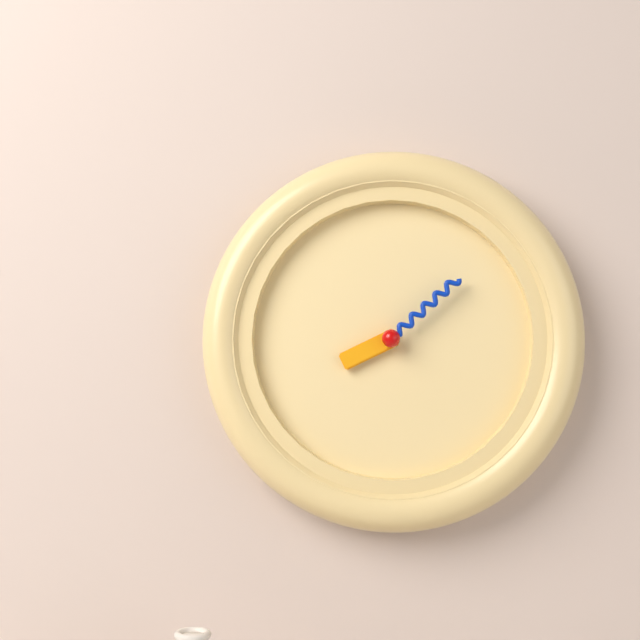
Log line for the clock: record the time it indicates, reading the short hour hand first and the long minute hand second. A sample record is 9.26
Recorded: 8.08
